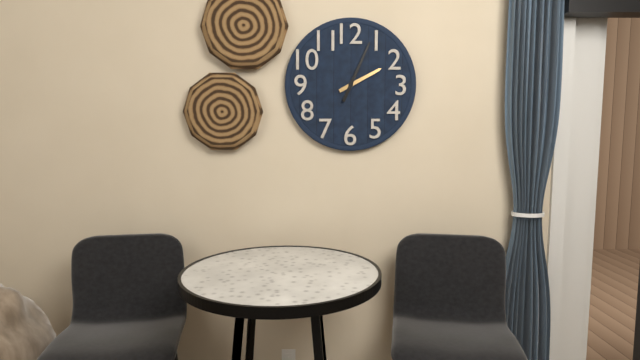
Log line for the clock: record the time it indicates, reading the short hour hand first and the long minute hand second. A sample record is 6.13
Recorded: 2.04
